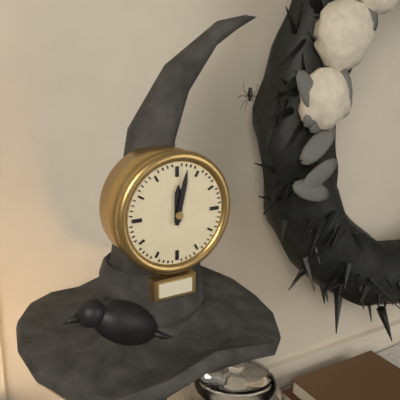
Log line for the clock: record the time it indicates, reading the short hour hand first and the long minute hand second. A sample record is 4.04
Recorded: 12.02
